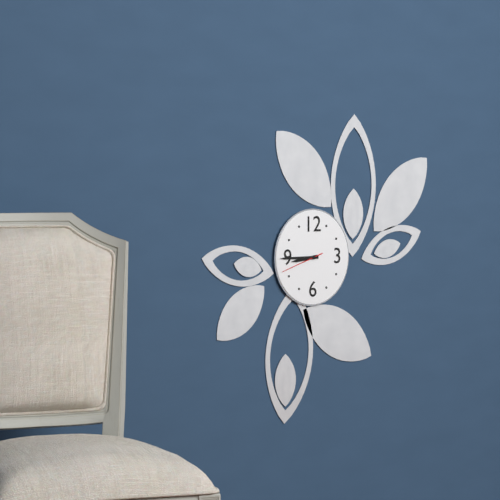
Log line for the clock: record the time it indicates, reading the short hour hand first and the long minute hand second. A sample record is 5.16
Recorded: 8.45
